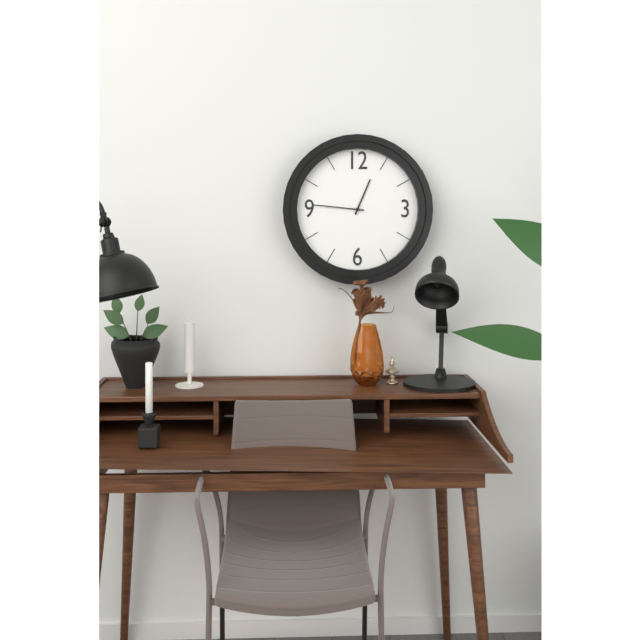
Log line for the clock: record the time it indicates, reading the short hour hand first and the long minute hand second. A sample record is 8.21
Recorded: 12.46
